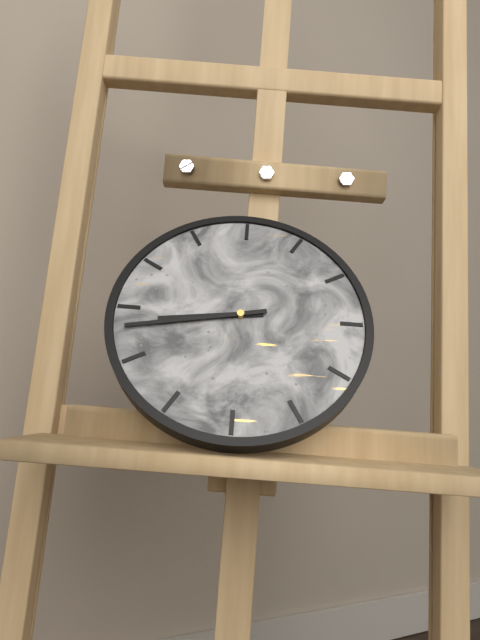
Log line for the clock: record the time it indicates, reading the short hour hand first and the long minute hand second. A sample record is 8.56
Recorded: 8.43
